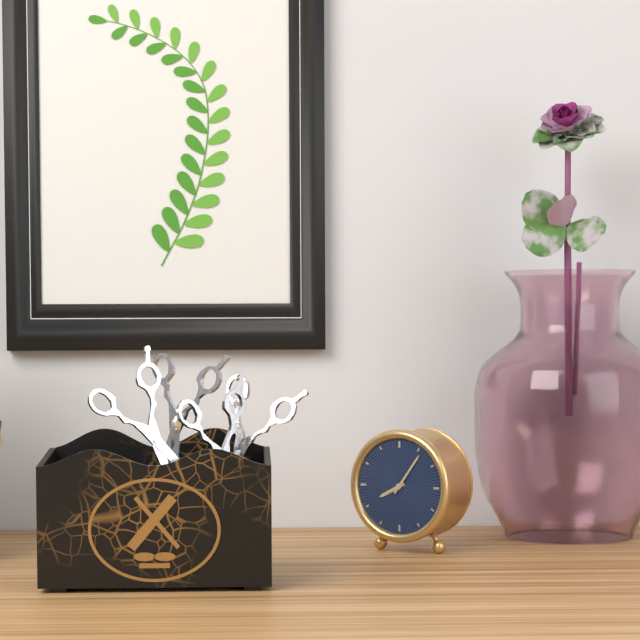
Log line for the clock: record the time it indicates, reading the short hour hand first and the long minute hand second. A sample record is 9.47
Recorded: 8.06
